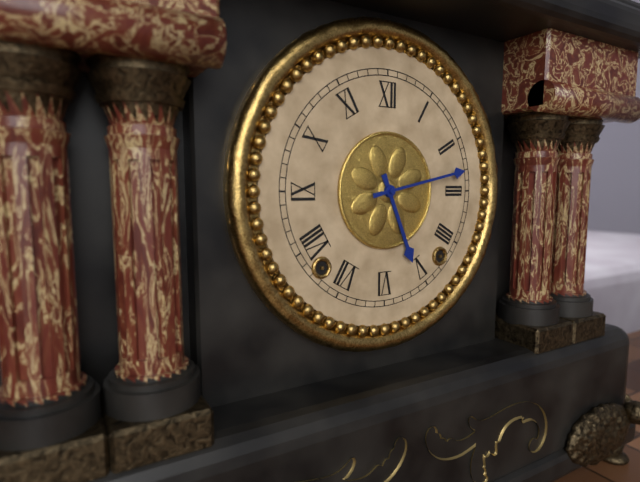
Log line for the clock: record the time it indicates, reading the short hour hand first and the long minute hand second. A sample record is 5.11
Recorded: 5.13
